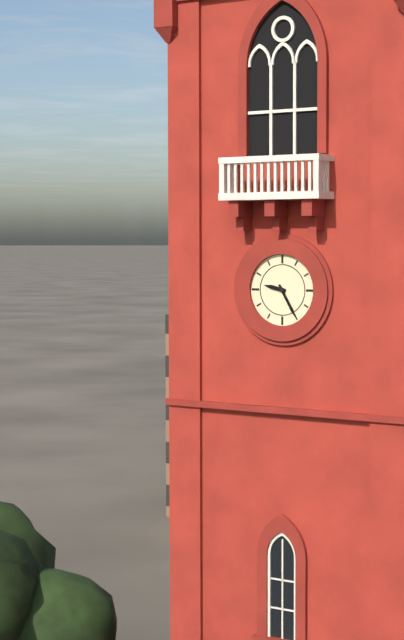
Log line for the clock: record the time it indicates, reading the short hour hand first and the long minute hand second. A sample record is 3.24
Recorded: 9.25
